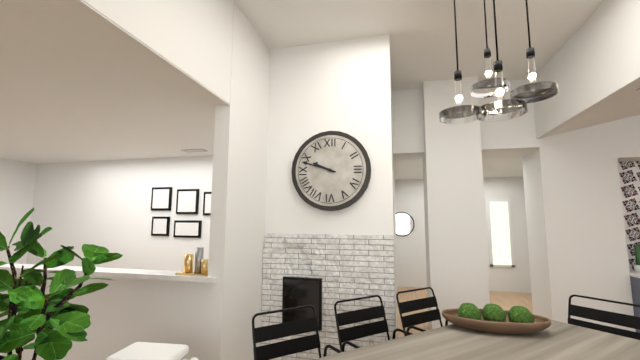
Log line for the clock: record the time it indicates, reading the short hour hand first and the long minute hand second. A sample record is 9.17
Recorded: 9.48
